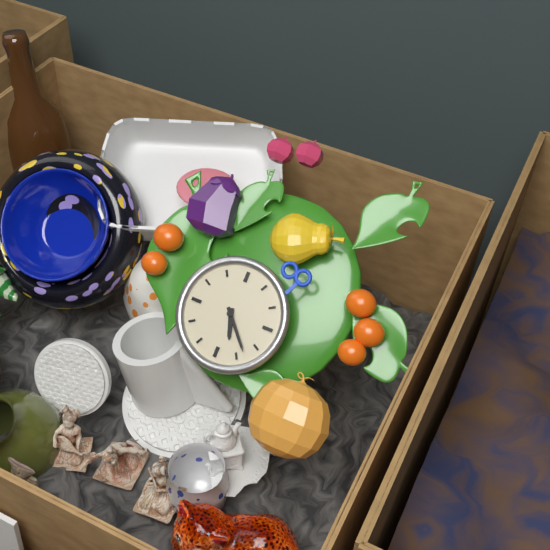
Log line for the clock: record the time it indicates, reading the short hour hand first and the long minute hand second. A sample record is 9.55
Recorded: 5.23
